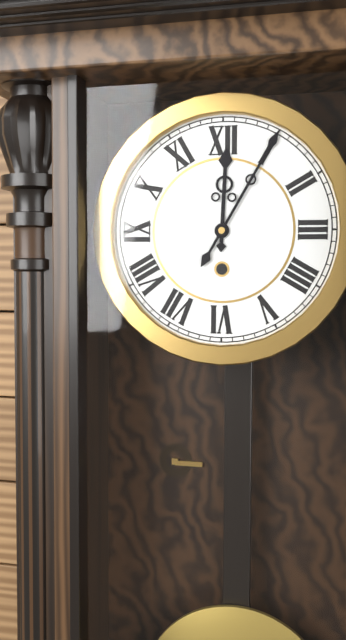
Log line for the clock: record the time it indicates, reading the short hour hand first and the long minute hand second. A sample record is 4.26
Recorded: 12.05
